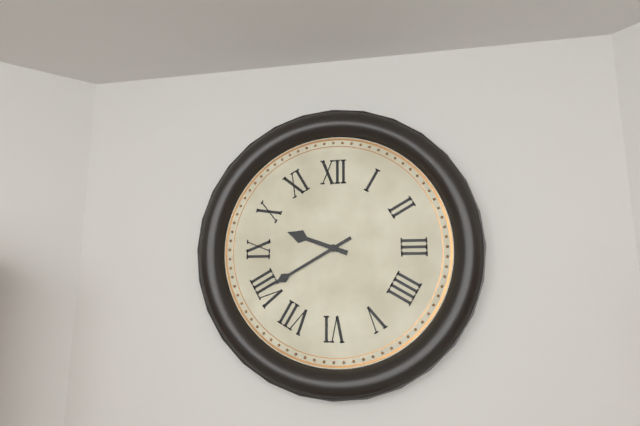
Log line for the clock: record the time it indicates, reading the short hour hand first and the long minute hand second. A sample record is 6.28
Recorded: 9.40
